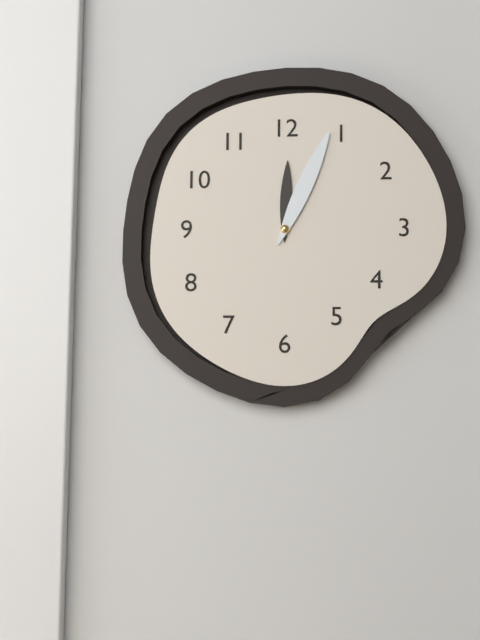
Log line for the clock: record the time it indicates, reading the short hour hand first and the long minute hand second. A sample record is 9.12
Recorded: 12.04
